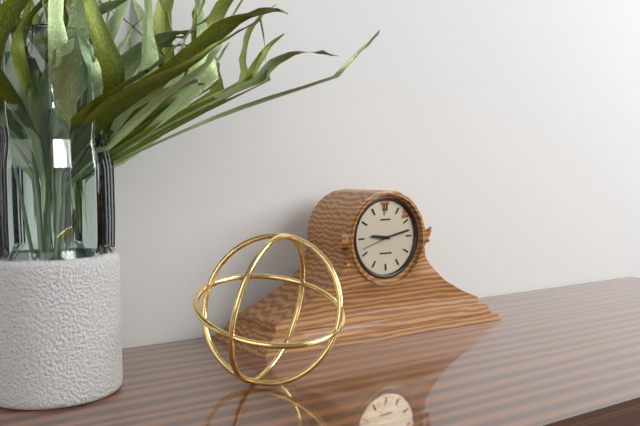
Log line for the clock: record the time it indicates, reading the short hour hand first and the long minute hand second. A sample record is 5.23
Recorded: 9.13
